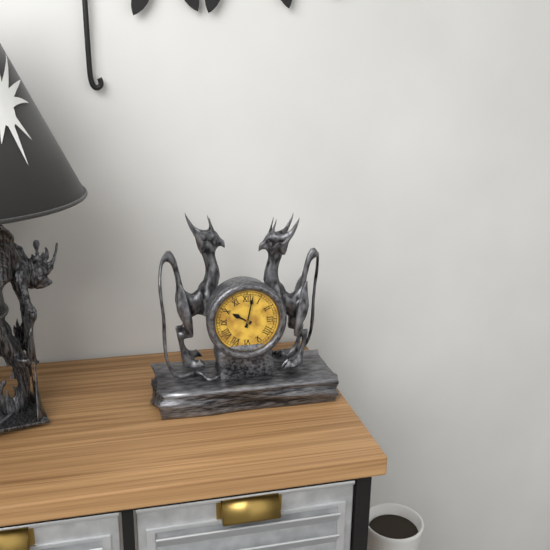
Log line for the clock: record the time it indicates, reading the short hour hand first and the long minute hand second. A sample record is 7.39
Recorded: 10.02
